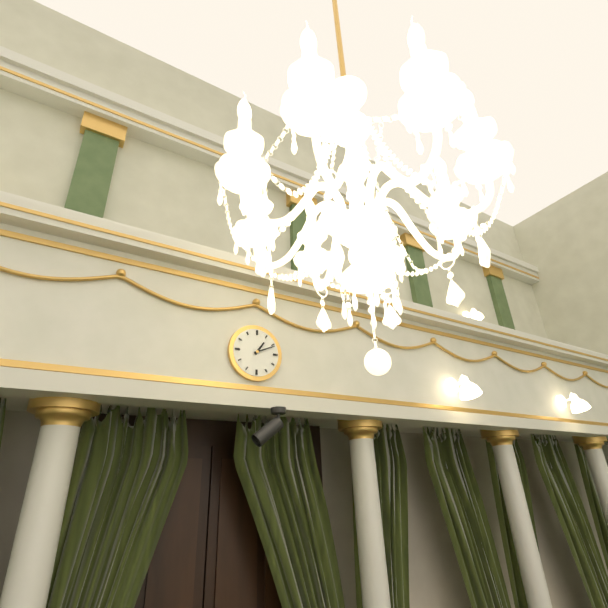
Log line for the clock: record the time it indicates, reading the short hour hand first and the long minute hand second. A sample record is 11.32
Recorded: 1.11
